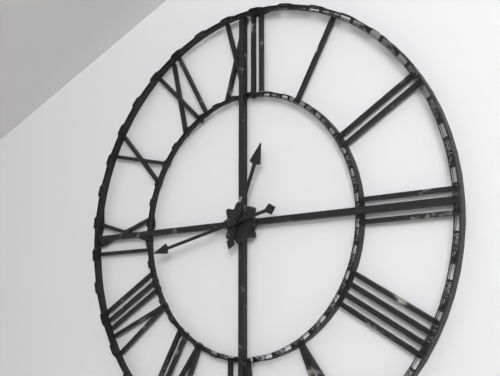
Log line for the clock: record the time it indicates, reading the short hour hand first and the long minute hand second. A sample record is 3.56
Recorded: 12.43
